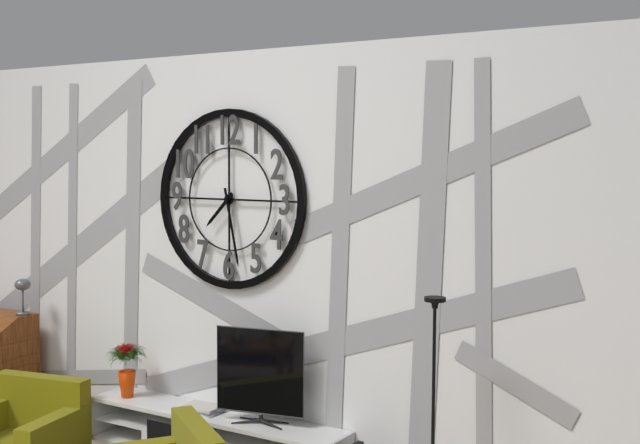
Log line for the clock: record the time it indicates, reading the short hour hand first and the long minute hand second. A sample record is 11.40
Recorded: 7.28
